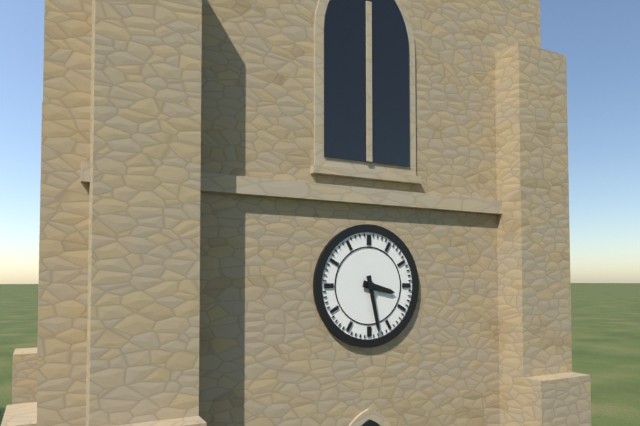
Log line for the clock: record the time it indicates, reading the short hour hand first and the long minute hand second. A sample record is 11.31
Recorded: 3.28
